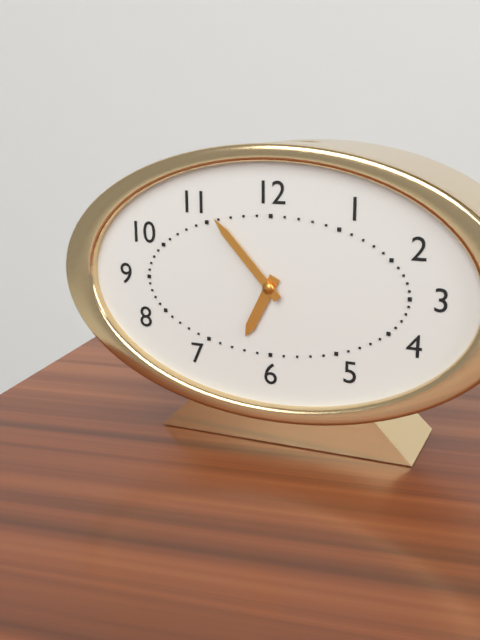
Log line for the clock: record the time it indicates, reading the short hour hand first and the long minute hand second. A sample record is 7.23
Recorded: 6.53
